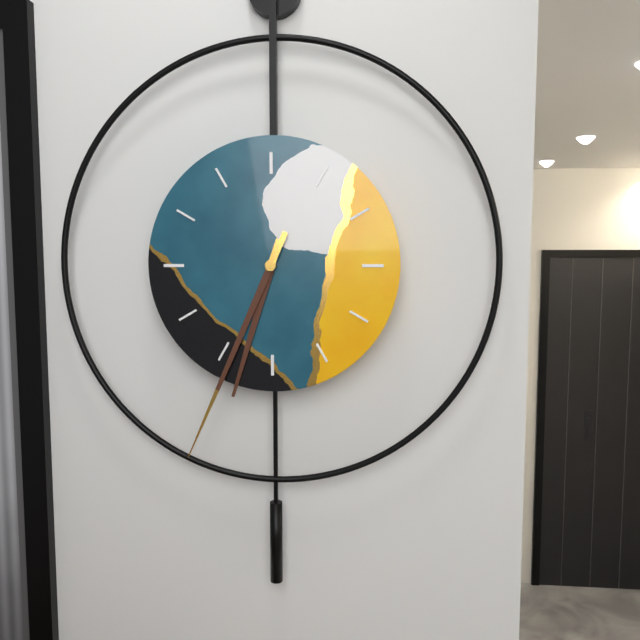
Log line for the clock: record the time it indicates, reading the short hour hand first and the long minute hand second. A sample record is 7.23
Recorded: 6.34
